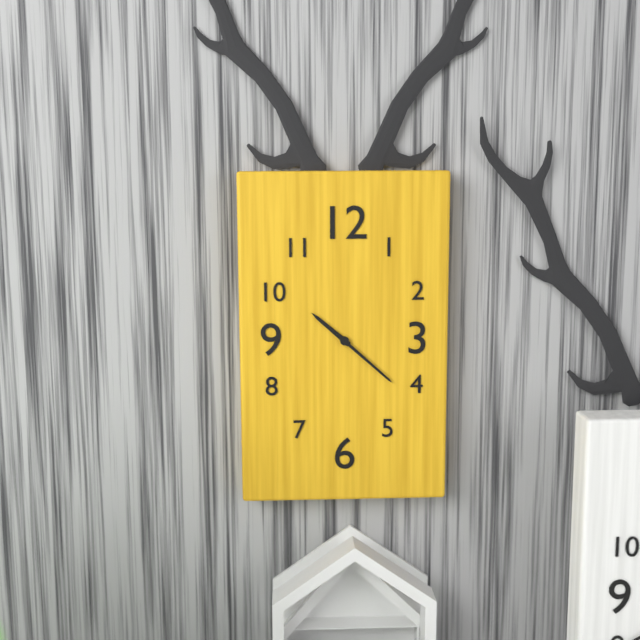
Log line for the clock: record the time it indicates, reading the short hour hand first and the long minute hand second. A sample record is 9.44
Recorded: 10.22
